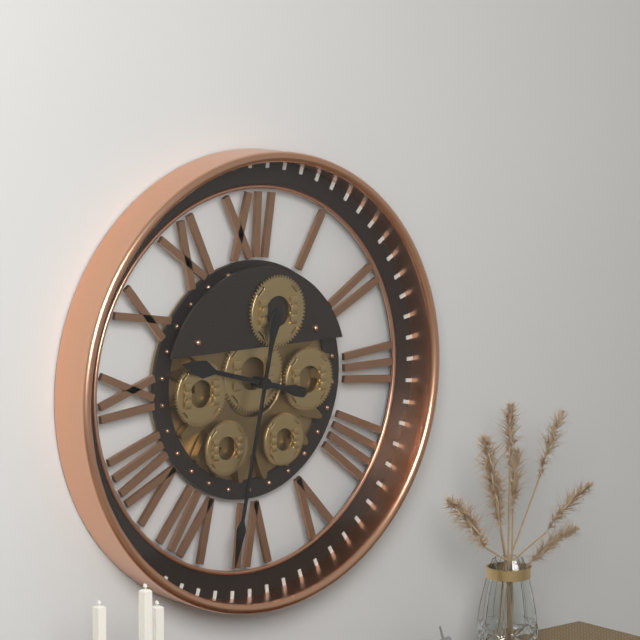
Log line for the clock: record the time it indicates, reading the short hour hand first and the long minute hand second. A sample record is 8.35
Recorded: 9.32
